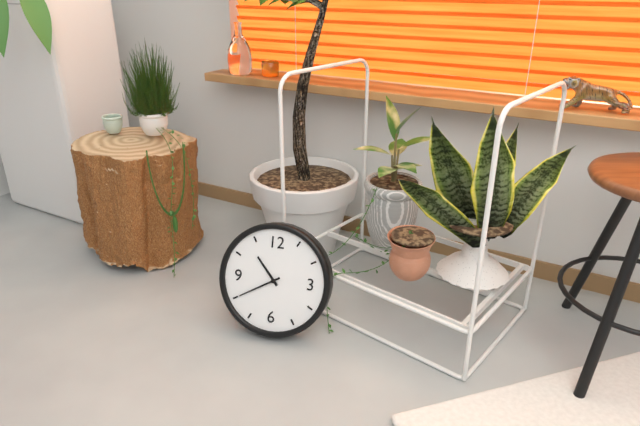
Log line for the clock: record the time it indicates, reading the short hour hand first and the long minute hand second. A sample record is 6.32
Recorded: 10.40
